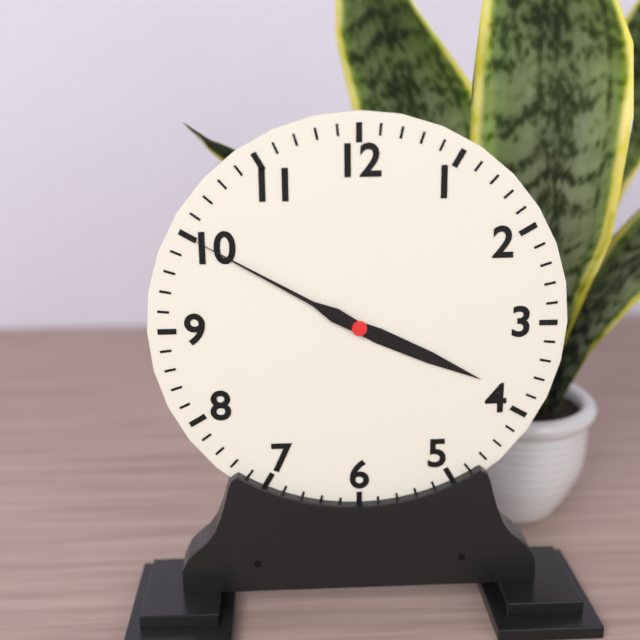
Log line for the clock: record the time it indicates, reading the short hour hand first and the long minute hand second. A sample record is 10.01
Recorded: 3.50
